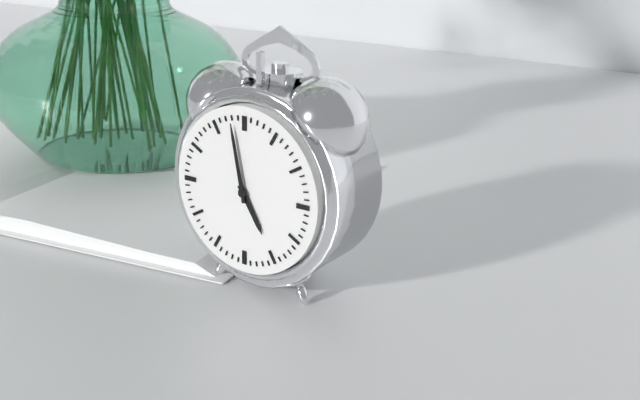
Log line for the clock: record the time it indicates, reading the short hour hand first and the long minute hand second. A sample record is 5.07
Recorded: 4.58
